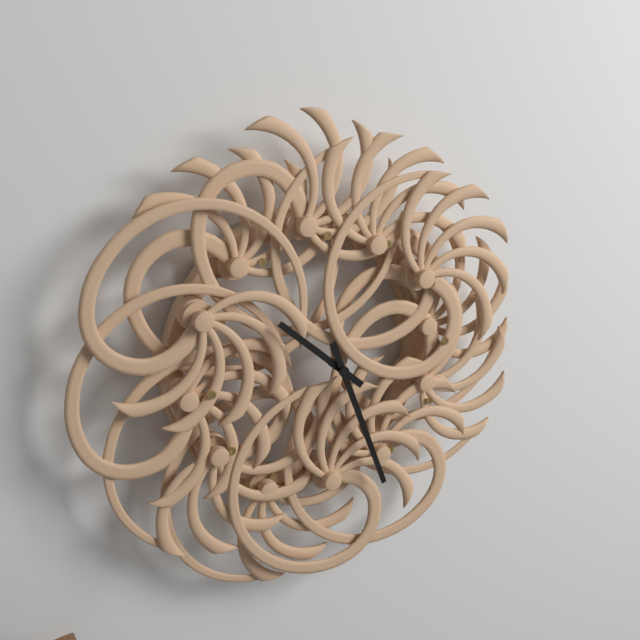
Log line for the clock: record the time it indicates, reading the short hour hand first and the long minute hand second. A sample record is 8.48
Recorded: 10.27
